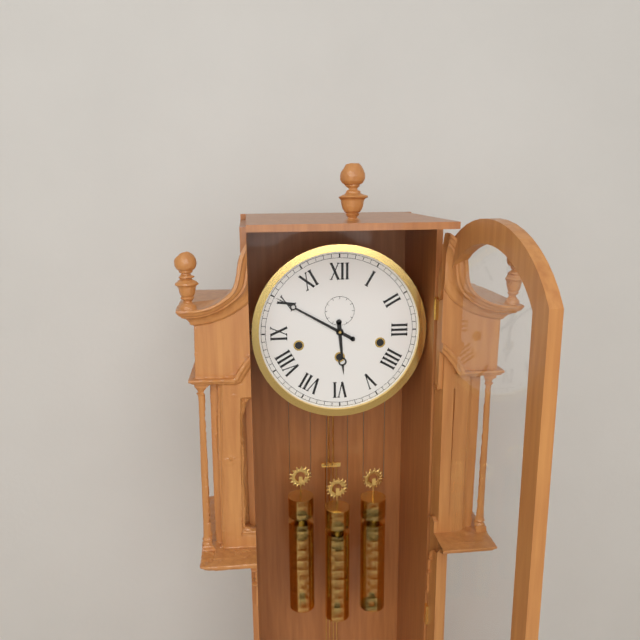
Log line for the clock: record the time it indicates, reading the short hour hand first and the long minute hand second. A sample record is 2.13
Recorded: 5.50
